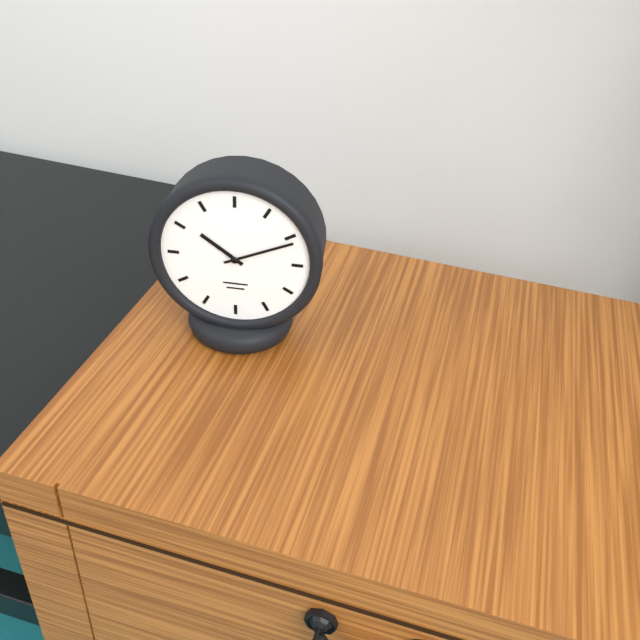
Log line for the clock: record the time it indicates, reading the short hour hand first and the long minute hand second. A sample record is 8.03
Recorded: 10.11
